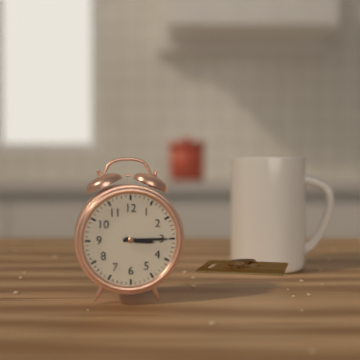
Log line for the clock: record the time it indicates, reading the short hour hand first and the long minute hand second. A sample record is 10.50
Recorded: 3.15
